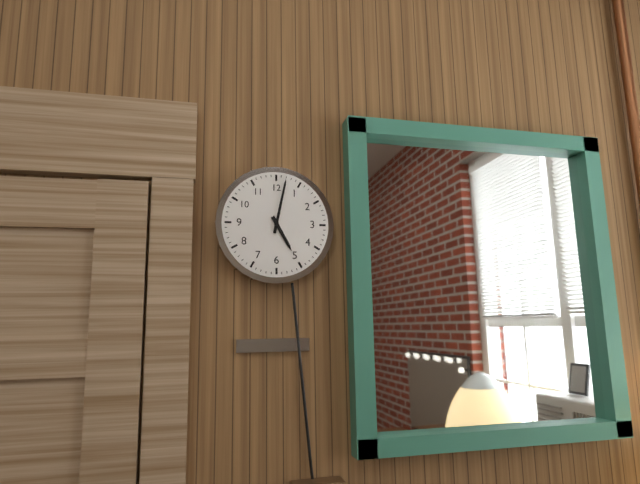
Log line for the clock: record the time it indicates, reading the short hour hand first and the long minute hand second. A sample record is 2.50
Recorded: 5.02
